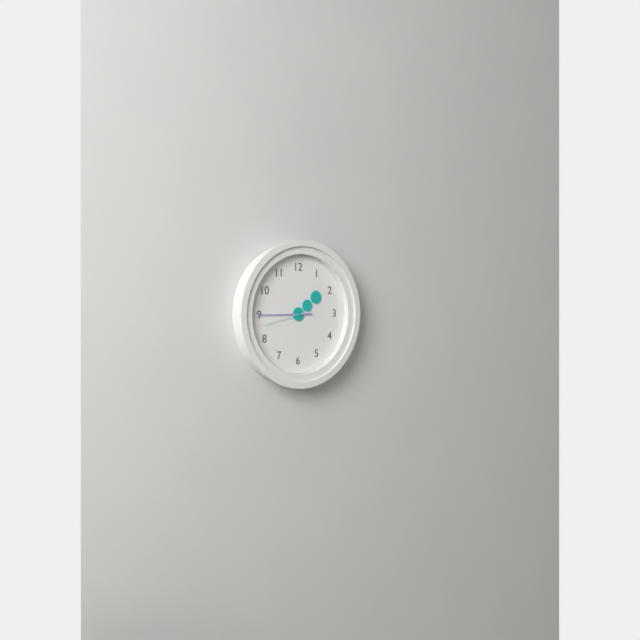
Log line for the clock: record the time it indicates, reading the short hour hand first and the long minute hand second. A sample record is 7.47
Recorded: 1.45
